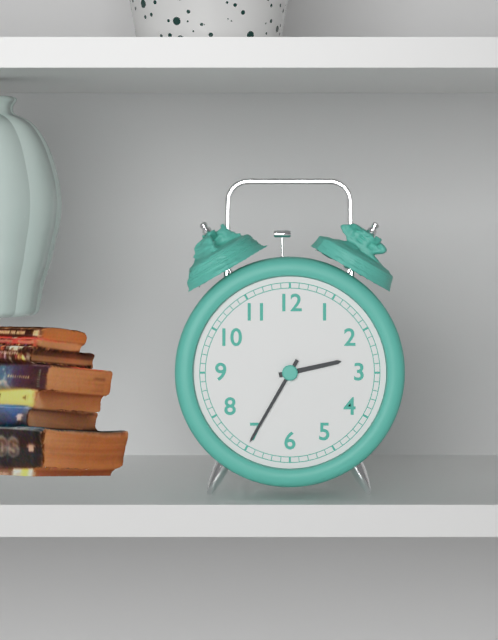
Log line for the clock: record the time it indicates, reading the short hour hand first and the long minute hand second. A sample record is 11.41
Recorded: 2.35
